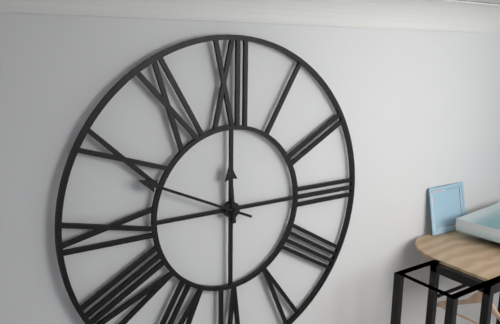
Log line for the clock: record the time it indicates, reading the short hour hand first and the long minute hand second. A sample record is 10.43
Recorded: 11.49
